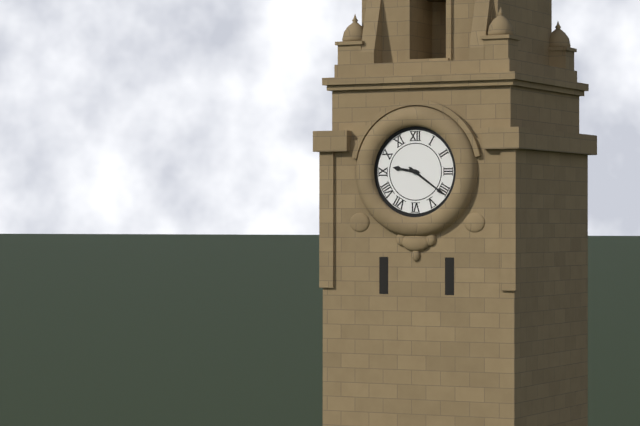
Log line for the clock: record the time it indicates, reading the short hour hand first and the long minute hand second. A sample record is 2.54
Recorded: 9.21
